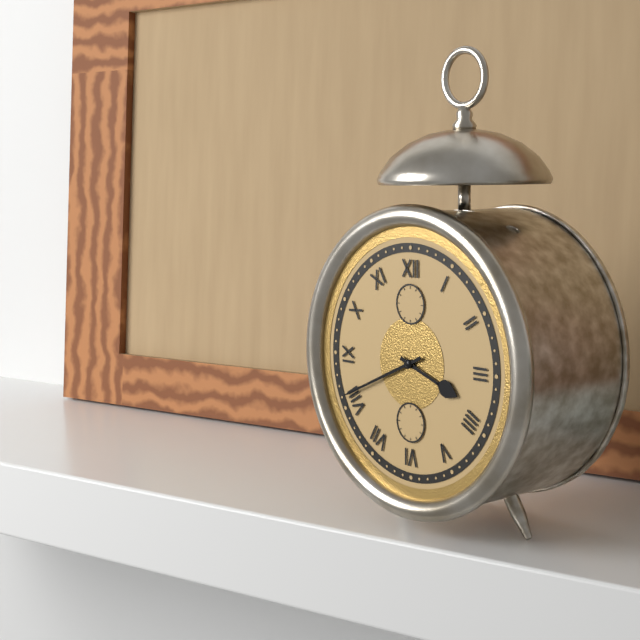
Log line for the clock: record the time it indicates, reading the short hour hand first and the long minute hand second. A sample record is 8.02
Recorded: 3.41
